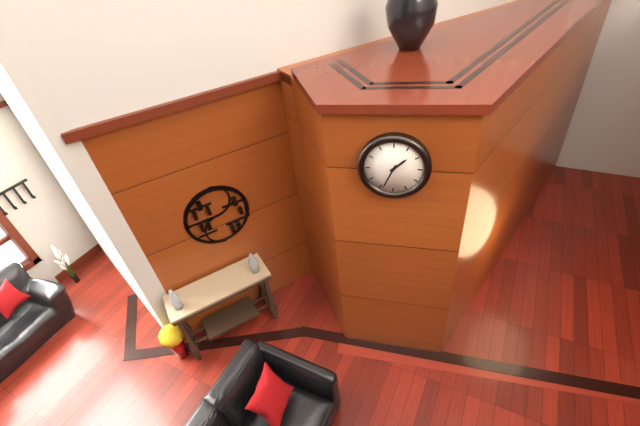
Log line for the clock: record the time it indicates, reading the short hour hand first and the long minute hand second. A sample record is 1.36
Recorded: 1.34
